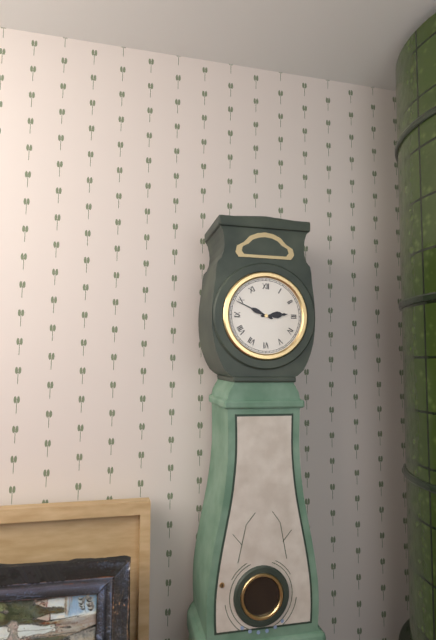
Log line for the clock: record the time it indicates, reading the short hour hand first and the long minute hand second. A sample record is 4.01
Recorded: 2.49
